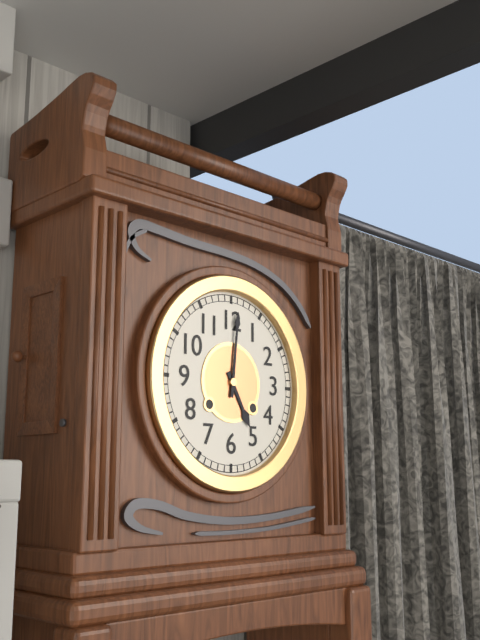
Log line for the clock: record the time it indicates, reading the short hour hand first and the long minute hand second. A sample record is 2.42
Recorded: 5.01
